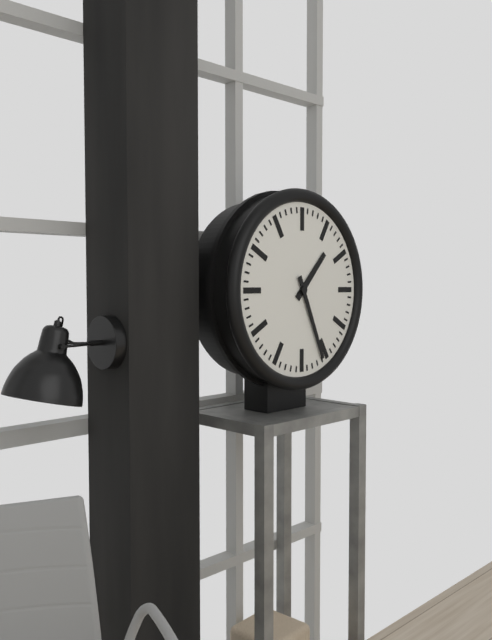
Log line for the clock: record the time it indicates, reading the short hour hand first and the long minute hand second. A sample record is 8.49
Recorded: 1.26
